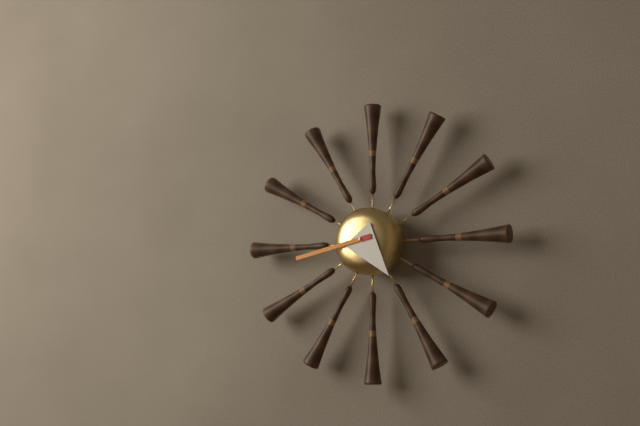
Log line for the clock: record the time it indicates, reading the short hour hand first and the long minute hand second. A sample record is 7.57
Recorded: 4.43
